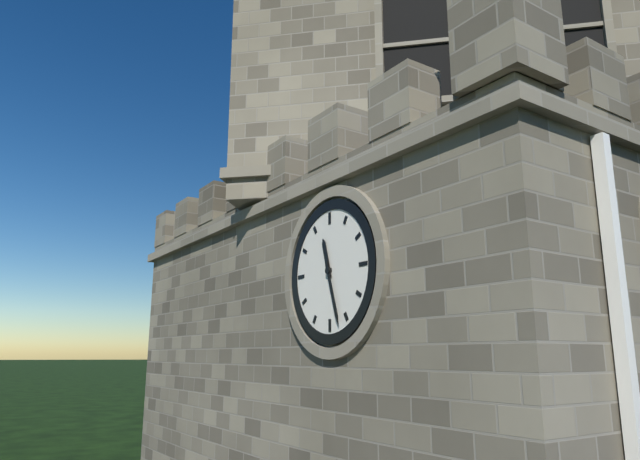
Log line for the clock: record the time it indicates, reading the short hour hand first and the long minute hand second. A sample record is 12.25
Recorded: 11.27
